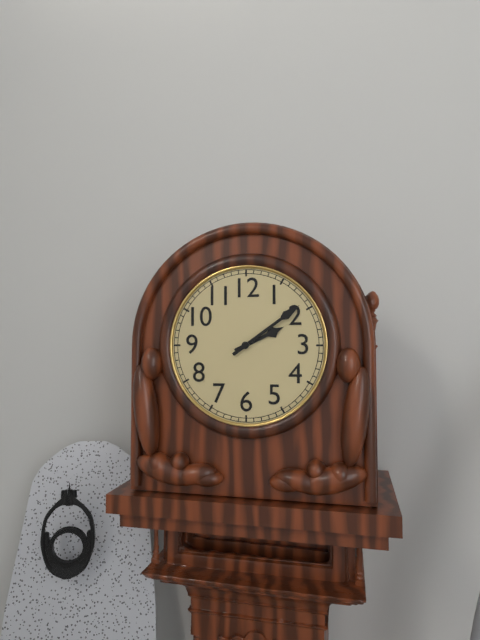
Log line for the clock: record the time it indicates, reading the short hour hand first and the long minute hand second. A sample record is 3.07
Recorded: 2.09
